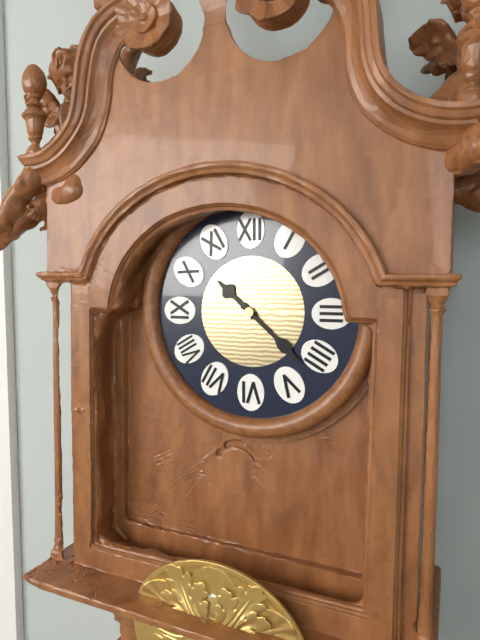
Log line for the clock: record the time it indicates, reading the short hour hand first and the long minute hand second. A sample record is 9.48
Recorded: 10.22
